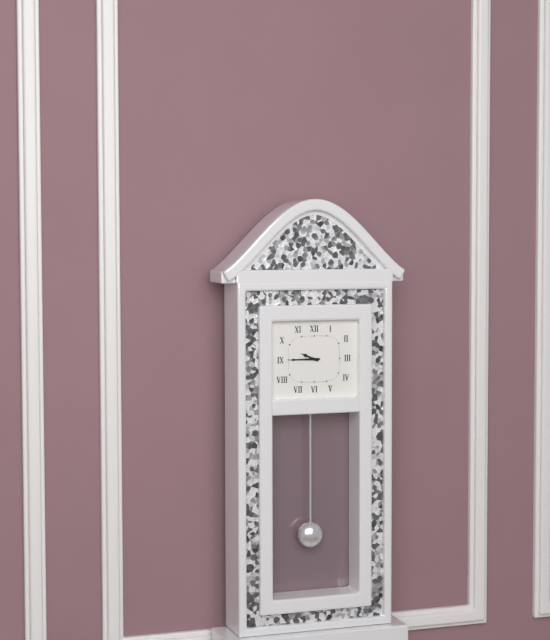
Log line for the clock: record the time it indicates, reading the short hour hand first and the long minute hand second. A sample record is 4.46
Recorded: 9.45
